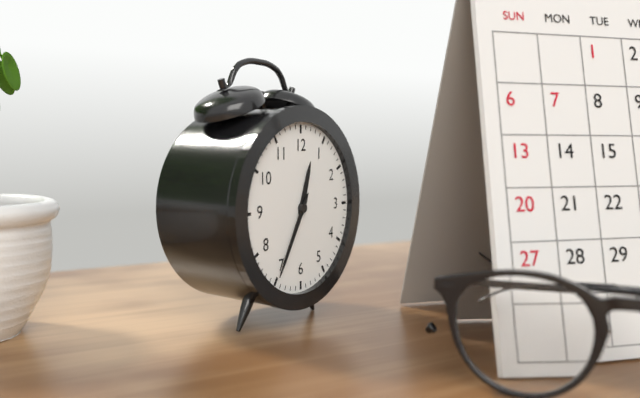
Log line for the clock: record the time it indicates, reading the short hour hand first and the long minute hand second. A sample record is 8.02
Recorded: 12.35
